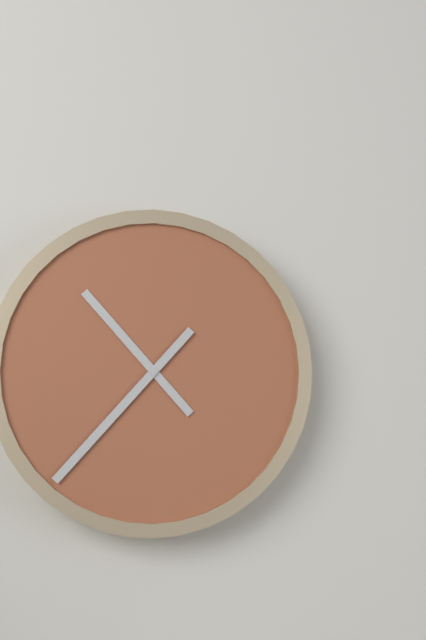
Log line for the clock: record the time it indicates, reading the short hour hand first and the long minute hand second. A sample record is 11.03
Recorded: 10.37
